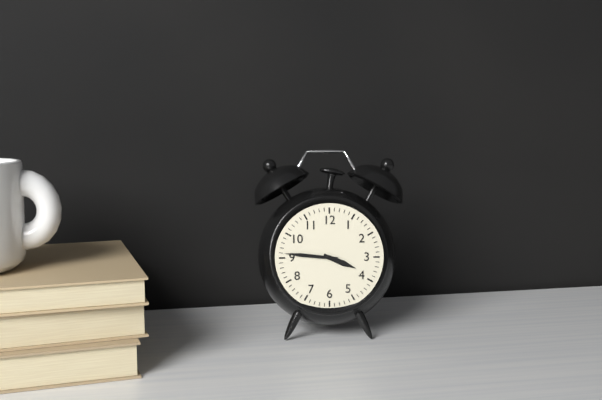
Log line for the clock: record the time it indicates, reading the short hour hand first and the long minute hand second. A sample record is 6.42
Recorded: 3.46
